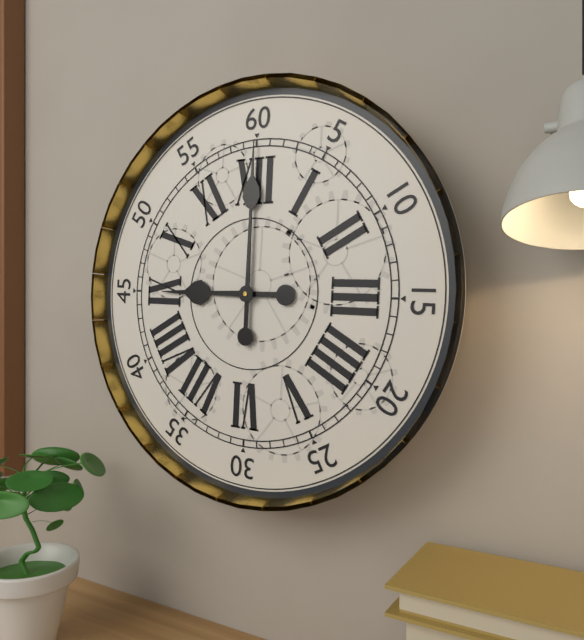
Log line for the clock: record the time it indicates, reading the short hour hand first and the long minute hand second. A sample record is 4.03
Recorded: 9.00
